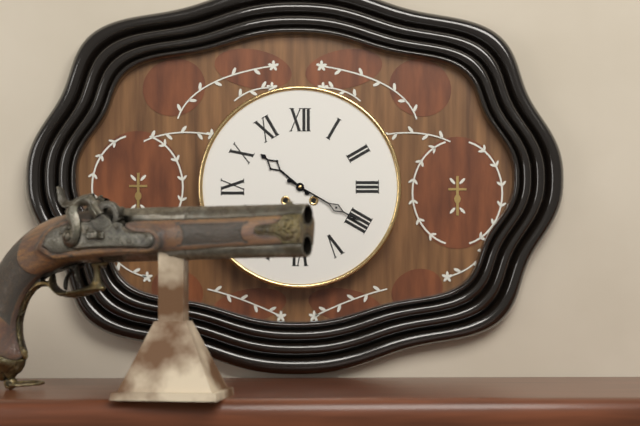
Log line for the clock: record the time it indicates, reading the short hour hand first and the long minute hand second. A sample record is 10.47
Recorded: 10.20
